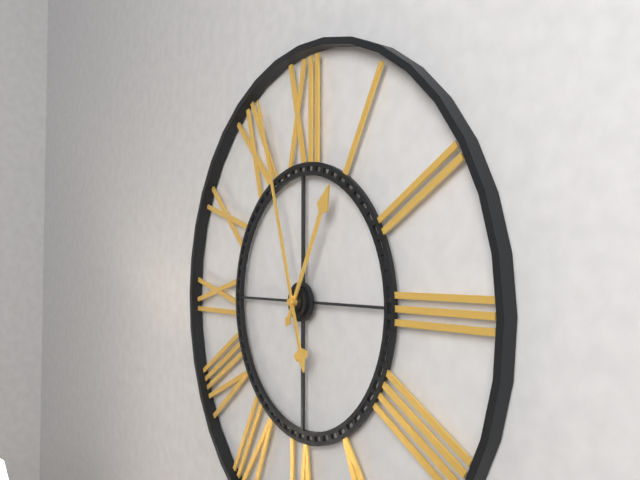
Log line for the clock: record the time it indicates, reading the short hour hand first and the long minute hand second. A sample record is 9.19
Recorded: 12.57
